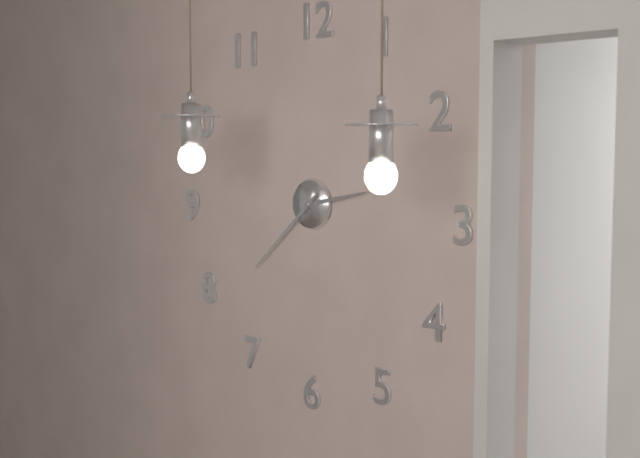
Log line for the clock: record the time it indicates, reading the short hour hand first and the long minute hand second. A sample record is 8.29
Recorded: 2.38
